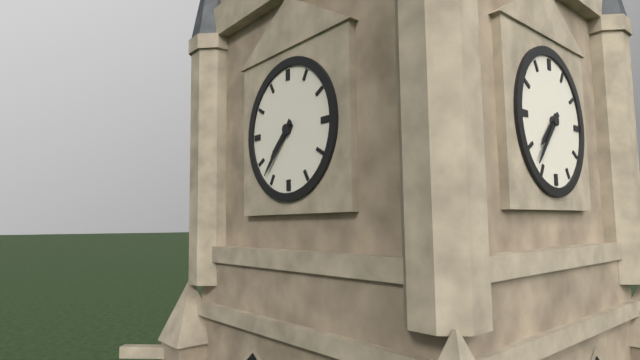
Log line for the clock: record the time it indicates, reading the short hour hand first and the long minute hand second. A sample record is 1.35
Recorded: 7.37
